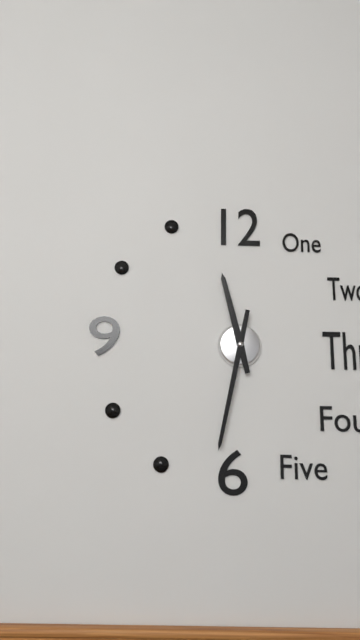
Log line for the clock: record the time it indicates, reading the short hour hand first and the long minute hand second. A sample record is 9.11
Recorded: 11.32
